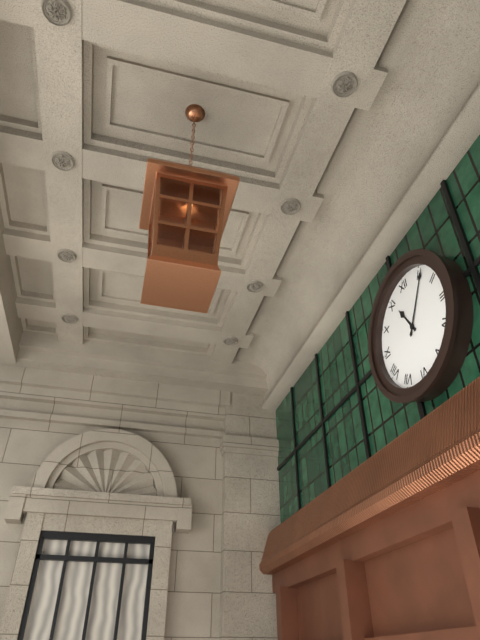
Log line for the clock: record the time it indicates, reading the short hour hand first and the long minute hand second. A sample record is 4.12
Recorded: 11.06
